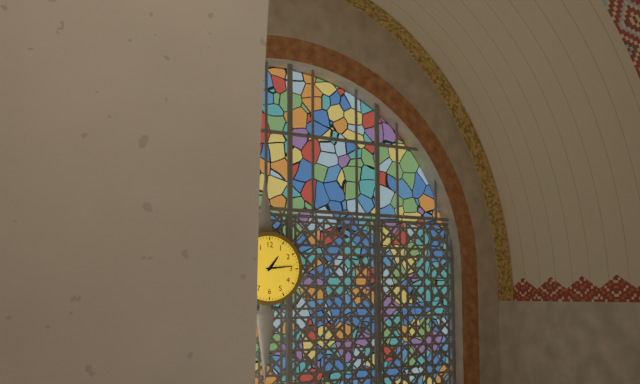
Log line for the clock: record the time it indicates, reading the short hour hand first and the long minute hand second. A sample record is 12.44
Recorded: 1.14
